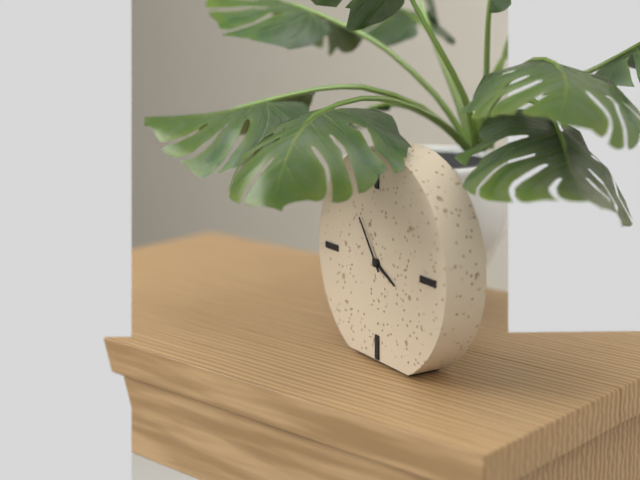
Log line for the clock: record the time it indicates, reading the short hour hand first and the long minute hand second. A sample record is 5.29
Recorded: 3.54
